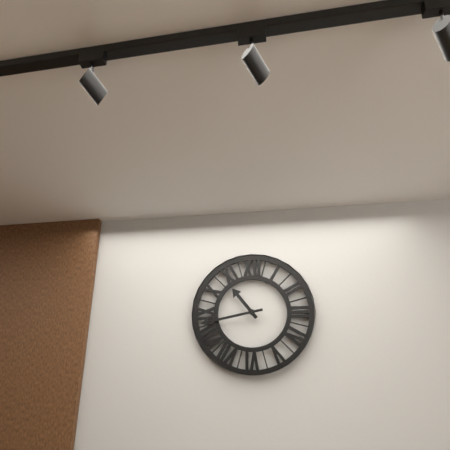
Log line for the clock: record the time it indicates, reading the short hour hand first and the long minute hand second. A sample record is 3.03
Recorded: 10.43
